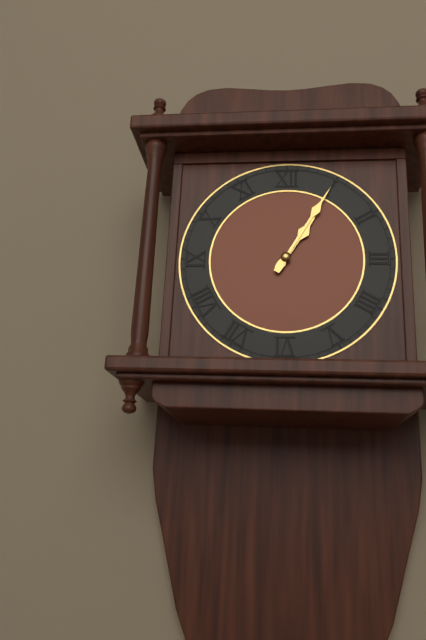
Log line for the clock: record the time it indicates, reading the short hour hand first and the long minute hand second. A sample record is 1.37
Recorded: 1.05
